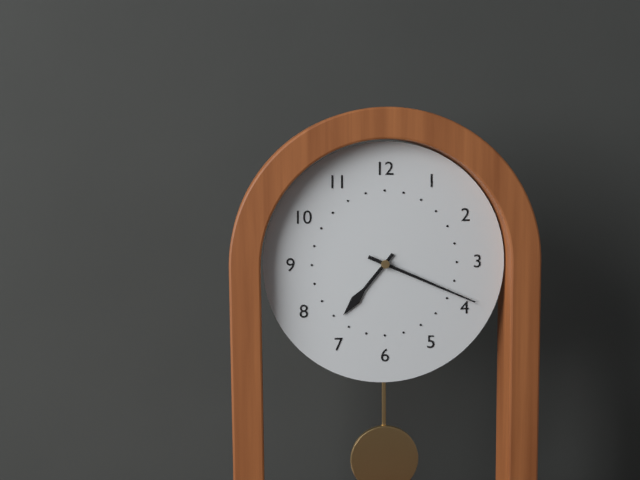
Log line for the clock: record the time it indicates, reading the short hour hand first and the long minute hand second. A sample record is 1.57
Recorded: 7.19
